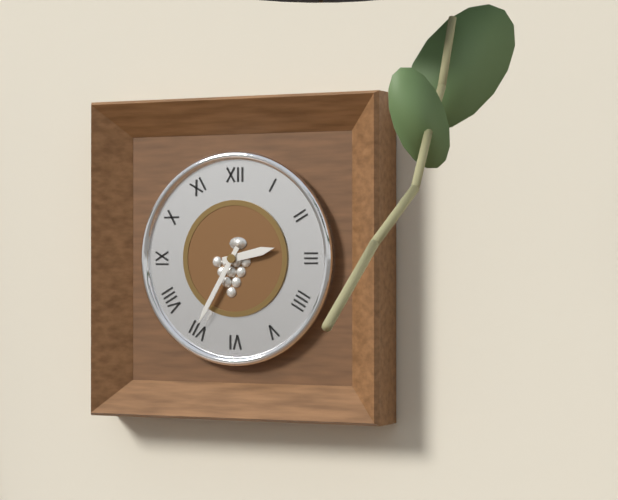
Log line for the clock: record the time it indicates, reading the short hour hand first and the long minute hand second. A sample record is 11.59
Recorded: 2.35
